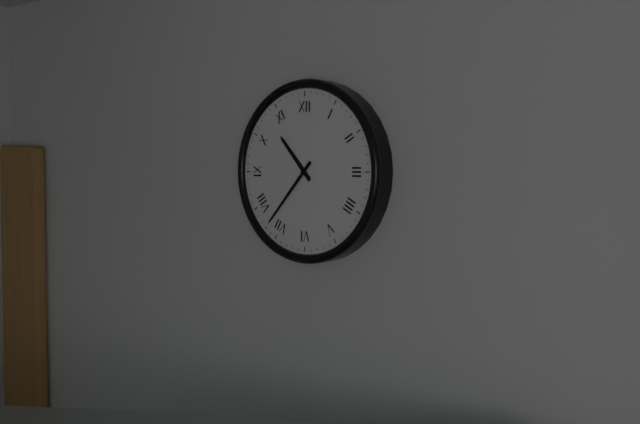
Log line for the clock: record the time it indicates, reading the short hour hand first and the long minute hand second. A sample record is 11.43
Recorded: 10.37
